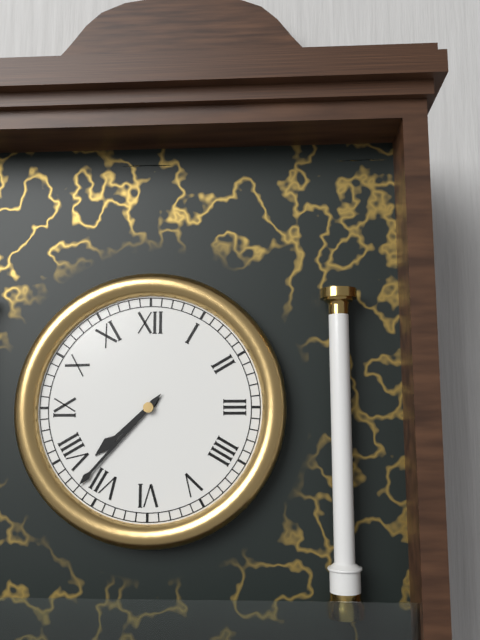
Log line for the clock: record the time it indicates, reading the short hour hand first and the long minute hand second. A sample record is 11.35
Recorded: 7.37
